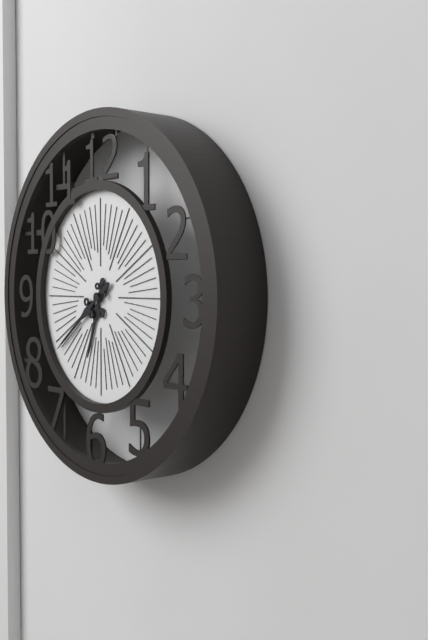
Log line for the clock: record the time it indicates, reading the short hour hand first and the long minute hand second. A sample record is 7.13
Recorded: 6.39
